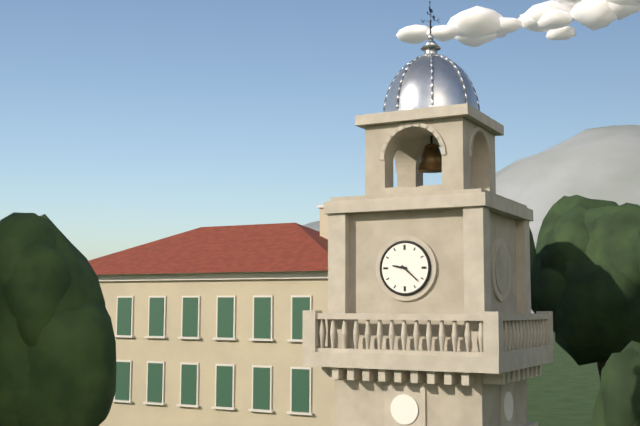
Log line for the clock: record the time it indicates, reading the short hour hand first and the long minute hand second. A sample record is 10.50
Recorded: 9.22
